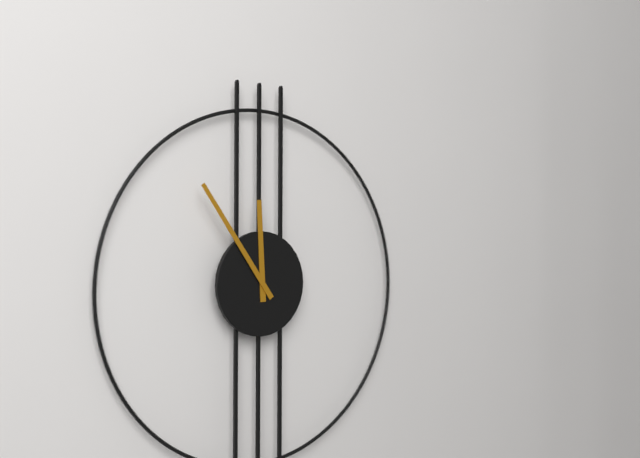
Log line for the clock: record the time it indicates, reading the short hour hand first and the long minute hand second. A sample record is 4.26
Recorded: 11.54
